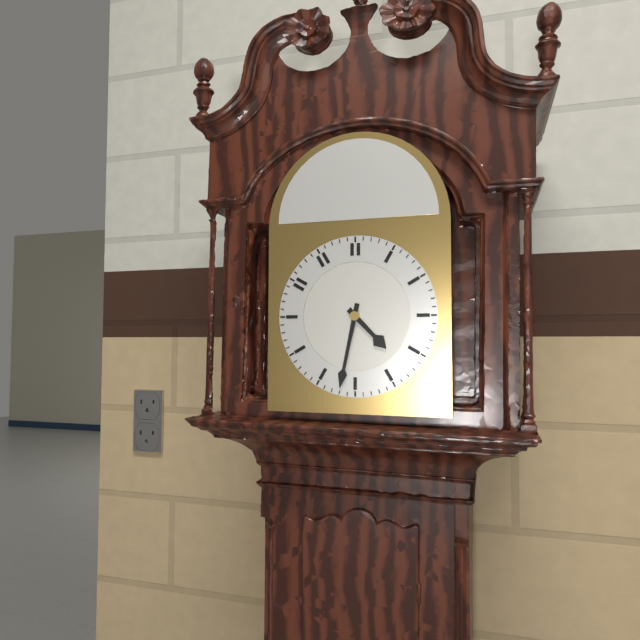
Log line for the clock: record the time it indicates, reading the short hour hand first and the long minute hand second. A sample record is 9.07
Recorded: 4.32
